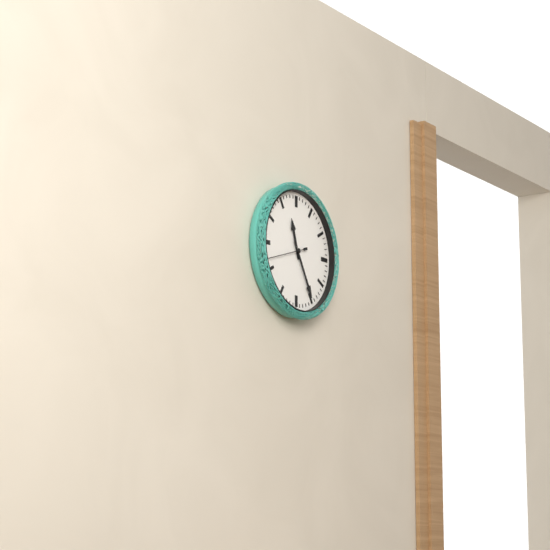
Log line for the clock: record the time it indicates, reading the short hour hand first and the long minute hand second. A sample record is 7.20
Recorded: 11.25
